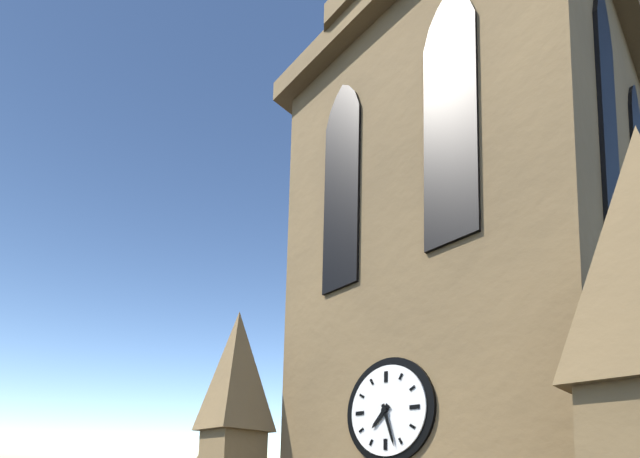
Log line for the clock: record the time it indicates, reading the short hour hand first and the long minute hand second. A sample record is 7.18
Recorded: 7.27
